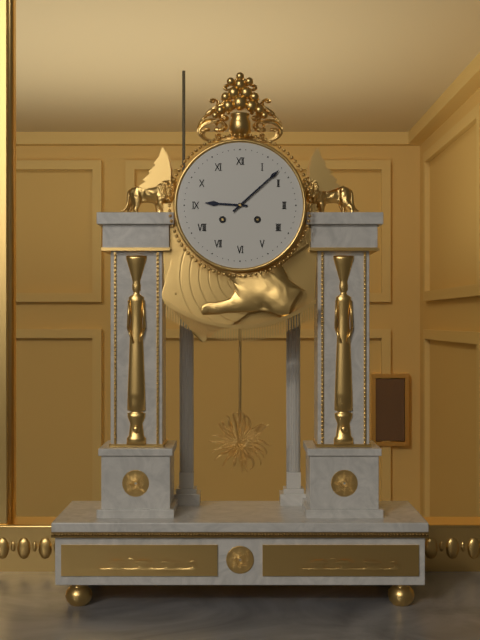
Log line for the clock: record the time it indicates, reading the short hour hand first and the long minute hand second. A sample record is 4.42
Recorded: 9.08
